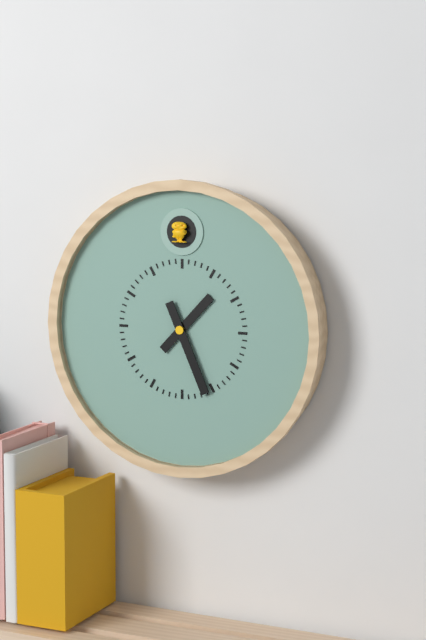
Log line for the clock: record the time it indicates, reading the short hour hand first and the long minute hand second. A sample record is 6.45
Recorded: 1.26
